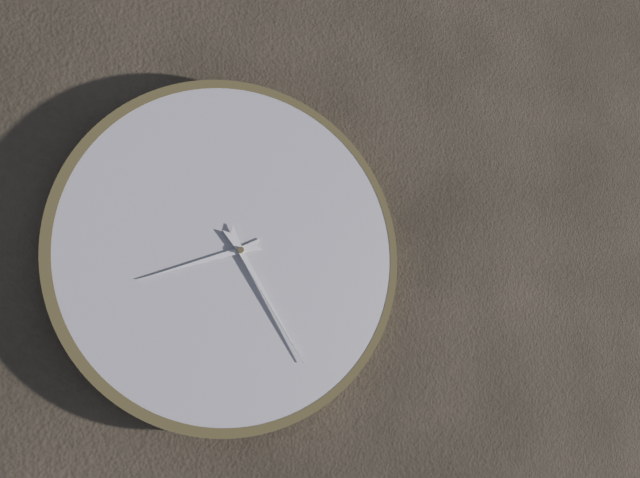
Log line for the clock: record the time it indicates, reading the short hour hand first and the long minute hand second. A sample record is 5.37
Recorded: 8.25
